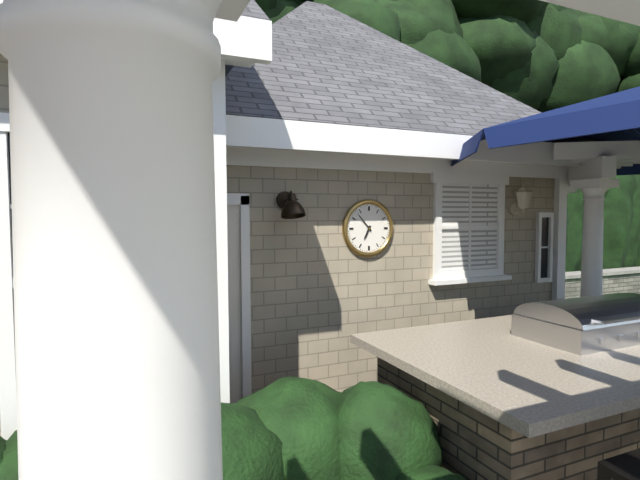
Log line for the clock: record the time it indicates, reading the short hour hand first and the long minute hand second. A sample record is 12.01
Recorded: 6.53
